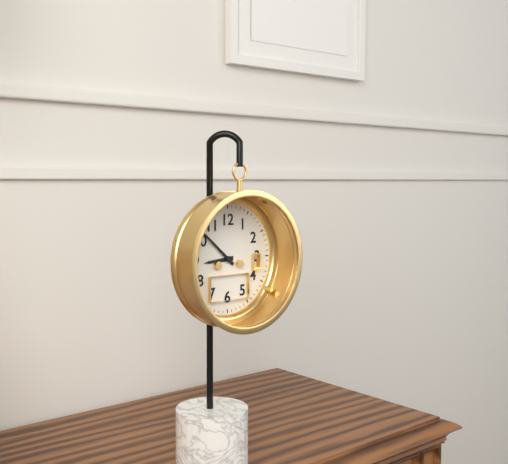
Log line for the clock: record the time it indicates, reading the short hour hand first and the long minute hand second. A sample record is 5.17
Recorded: 8.52
